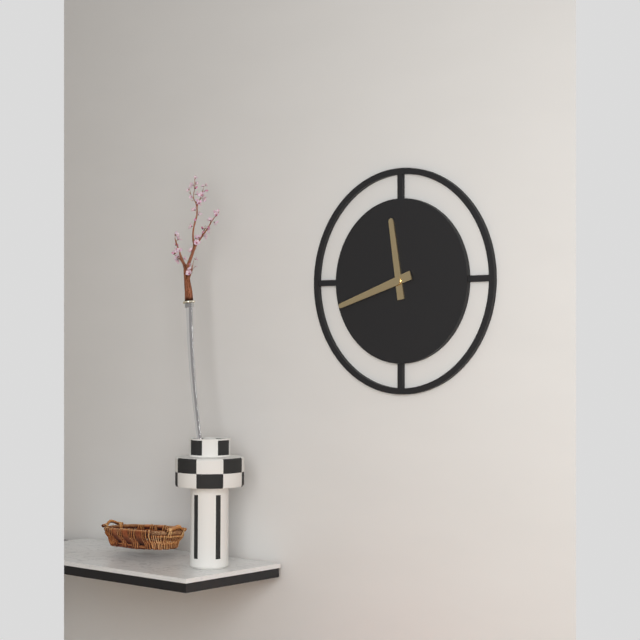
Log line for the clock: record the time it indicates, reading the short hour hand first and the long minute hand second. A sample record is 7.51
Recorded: 11.42
